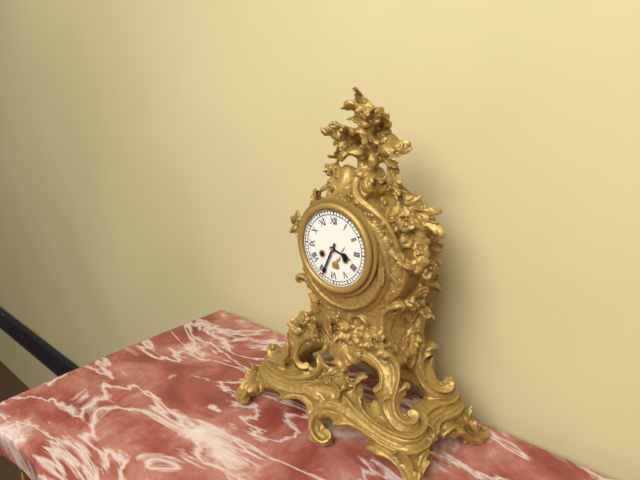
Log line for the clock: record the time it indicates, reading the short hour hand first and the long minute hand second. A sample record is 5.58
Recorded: 3.34
